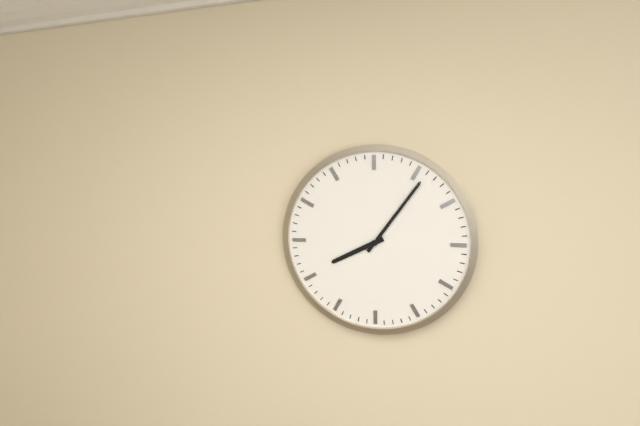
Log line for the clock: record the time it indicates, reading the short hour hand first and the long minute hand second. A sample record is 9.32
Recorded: 8.06
